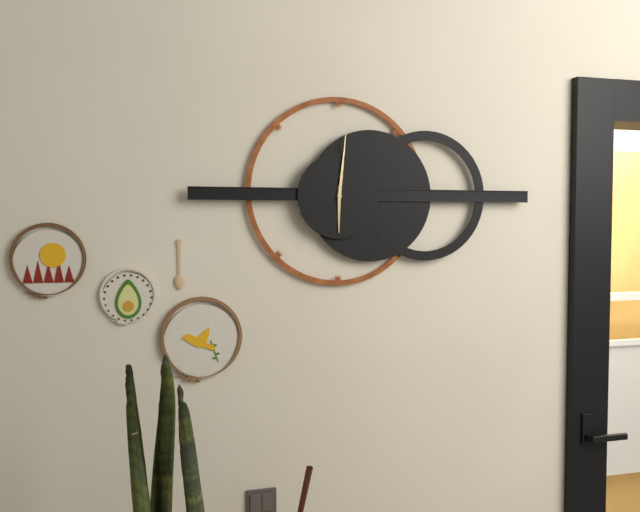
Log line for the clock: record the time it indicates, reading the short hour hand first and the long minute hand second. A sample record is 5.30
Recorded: 6.01
